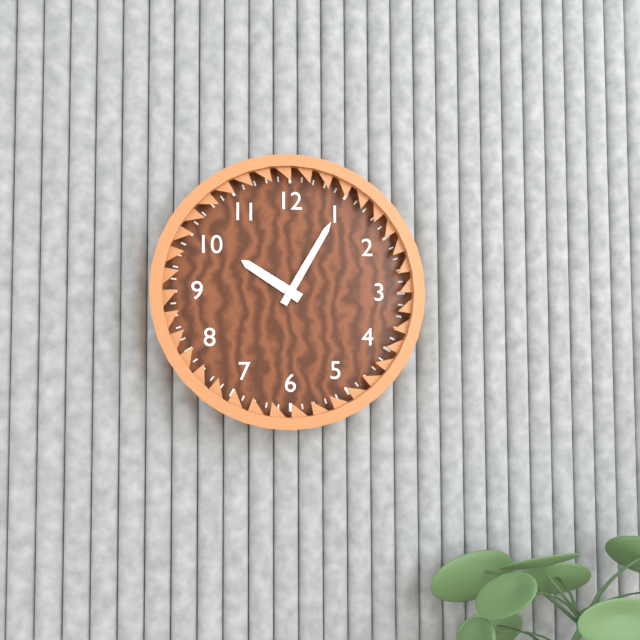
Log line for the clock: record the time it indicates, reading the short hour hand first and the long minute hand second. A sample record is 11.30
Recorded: 10.05
